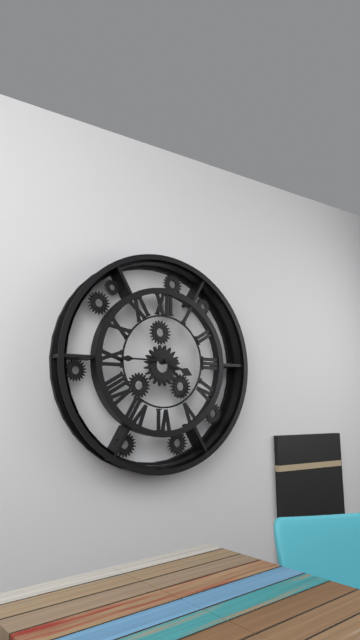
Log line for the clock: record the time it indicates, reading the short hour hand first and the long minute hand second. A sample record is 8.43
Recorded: 3.45
